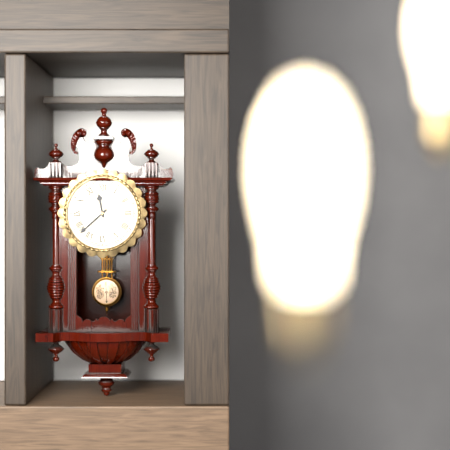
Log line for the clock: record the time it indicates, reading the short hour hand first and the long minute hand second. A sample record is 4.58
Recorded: 11.38
